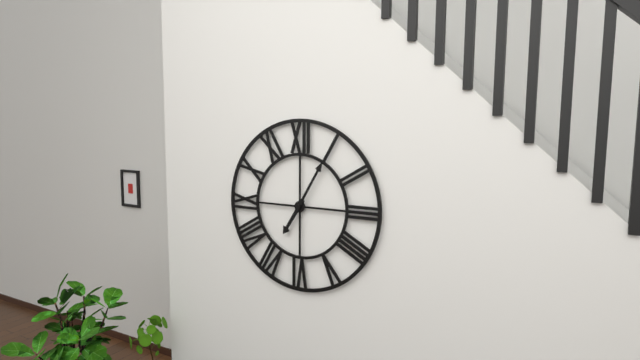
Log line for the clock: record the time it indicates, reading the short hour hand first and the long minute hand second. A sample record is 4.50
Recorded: 7.05
